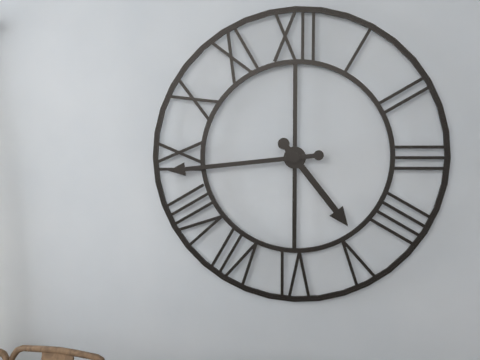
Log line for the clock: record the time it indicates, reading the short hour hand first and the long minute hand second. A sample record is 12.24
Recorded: 4.44
